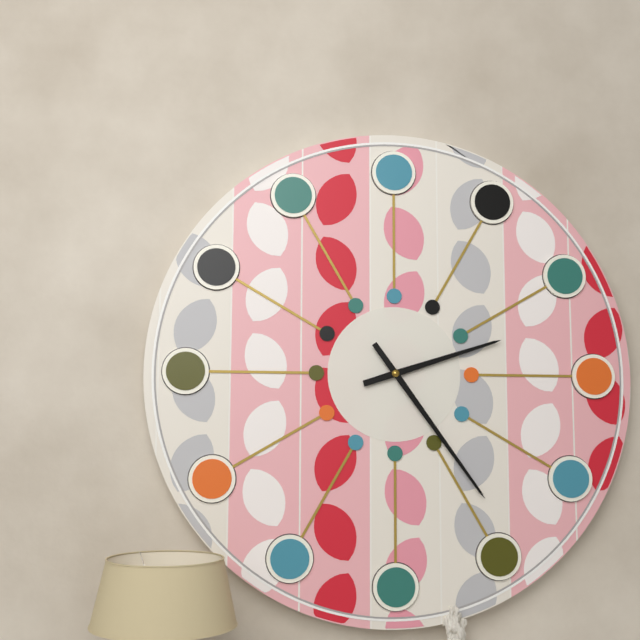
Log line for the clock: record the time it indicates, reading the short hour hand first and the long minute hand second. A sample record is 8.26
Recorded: 2.24
